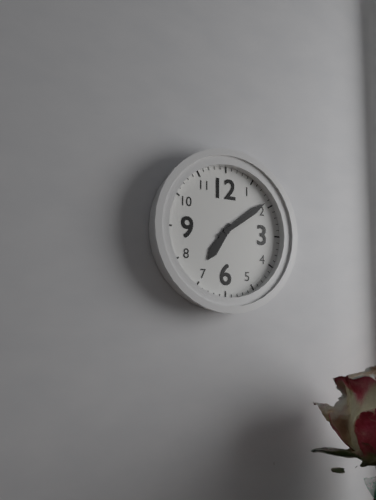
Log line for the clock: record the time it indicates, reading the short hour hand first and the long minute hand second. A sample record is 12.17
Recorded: 7.09
